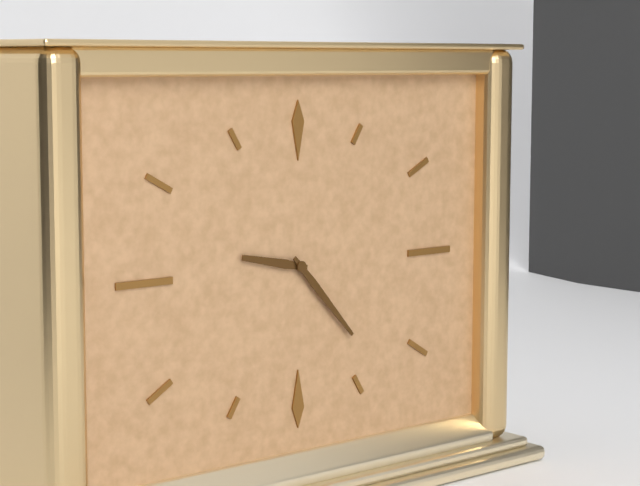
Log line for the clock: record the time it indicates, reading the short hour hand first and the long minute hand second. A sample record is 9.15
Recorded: 9.23
